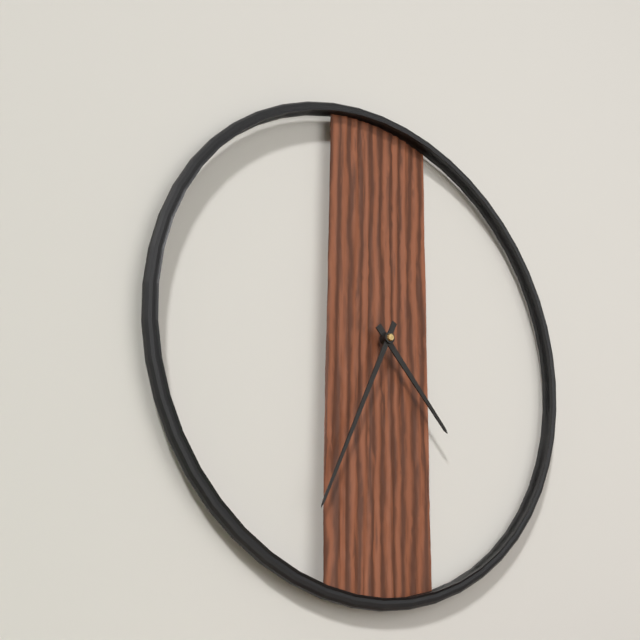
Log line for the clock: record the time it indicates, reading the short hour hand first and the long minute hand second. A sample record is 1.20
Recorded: 4.34
